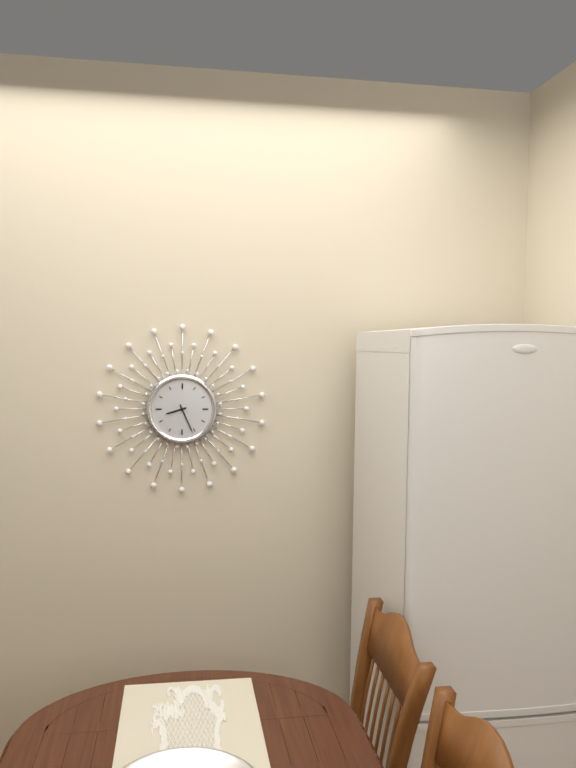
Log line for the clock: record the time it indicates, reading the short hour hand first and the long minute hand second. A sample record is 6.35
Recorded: 8.26
